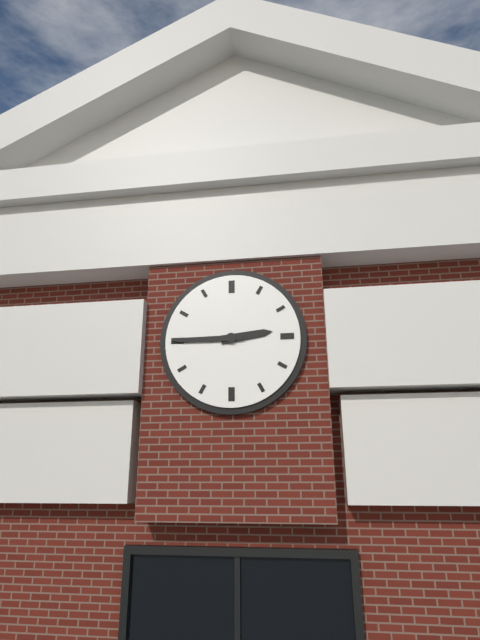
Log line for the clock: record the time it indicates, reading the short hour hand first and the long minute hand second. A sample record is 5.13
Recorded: 2.45
